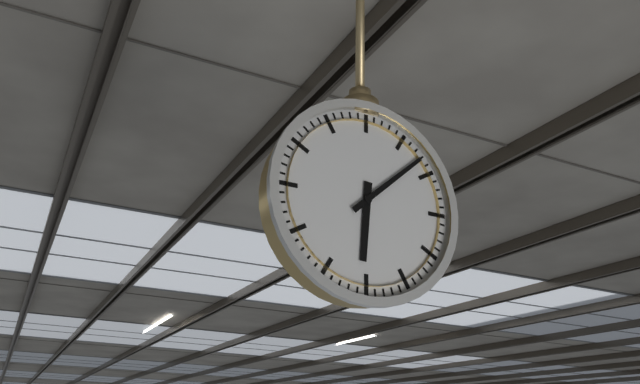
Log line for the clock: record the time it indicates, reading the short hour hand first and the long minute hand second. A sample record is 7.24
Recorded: 6.08
